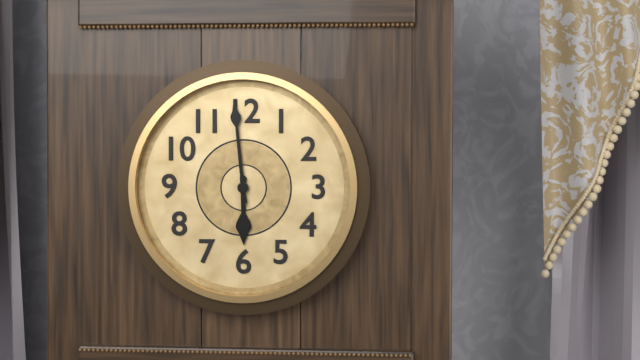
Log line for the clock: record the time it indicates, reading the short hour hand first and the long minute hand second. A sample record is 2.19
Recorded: 5.59
